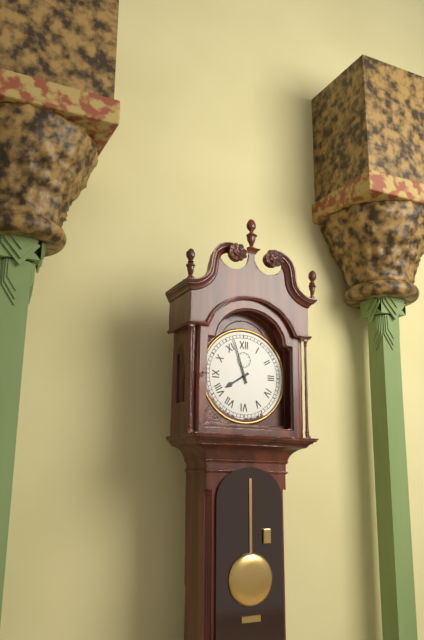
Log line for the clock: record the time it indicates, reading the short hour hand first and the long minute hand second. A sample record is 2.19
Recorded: 7.57
